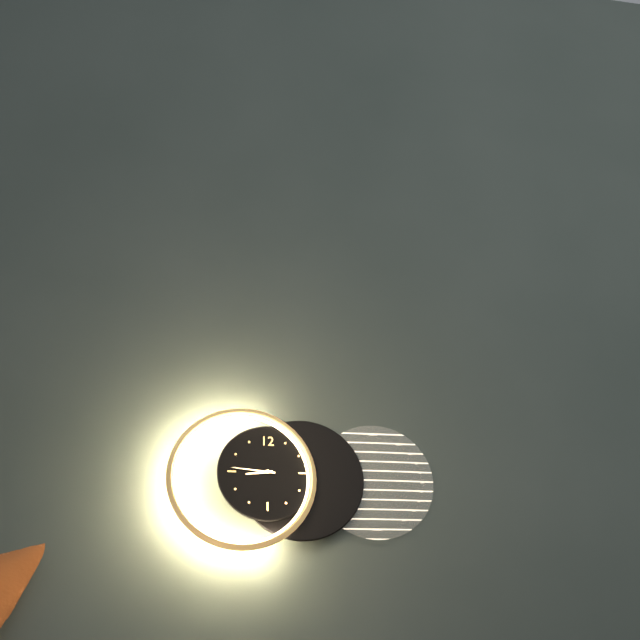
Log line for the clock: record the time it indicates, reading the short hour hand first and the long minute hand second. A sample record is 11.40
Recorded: 8.46
